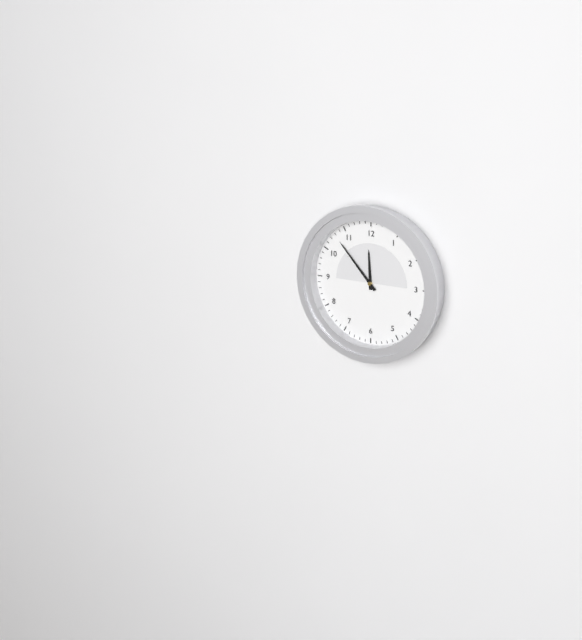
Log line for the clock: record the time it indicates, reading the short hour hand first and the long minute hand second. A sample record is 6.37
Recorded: 11.53
